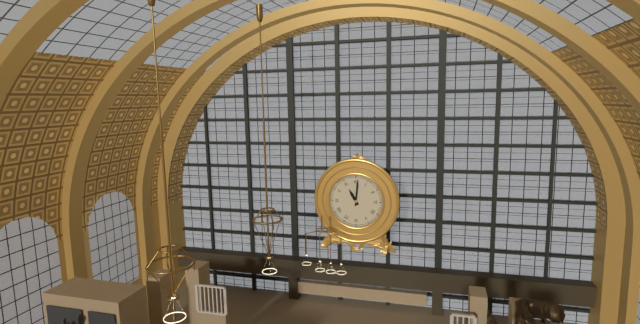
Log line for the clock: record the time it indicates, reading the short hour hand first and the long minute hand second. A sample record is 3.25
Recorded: 11.01
